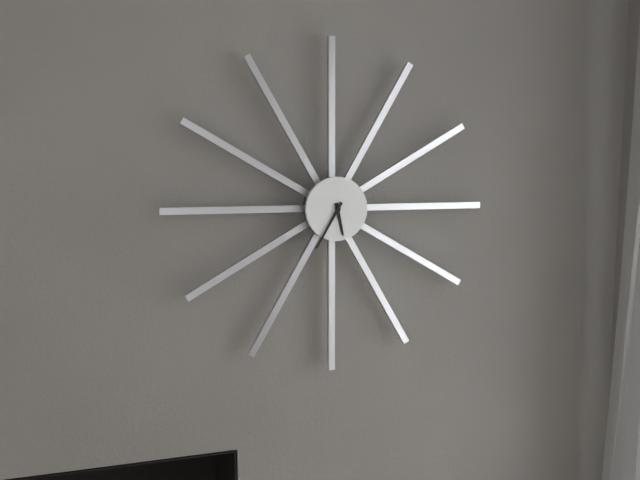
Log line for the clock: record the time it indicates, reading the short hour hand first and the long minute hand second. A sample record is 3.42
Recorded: 5.35
